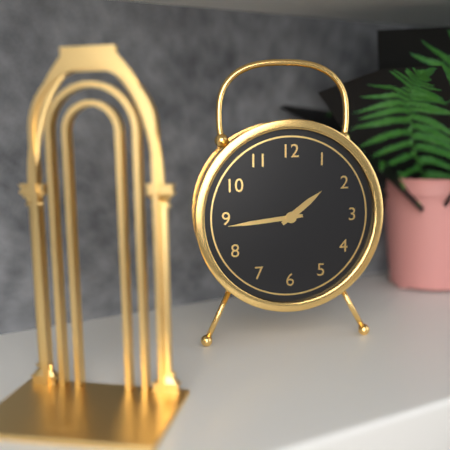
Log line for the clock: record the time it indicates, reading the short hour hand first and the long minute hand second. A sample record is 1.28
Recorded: 1.44
